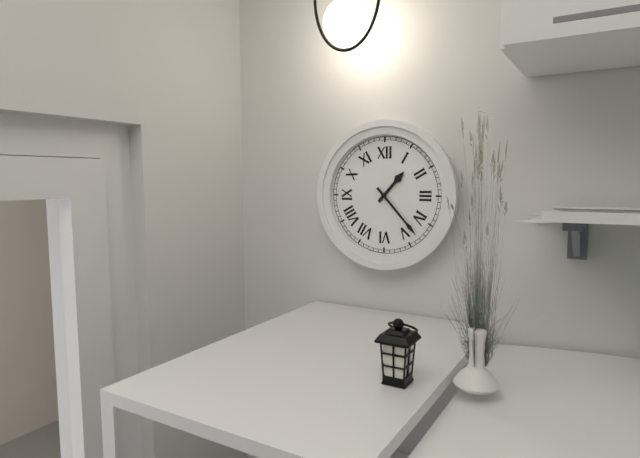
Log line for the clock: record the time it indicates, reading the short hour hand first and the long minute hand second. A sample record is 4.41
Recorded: 1.23
